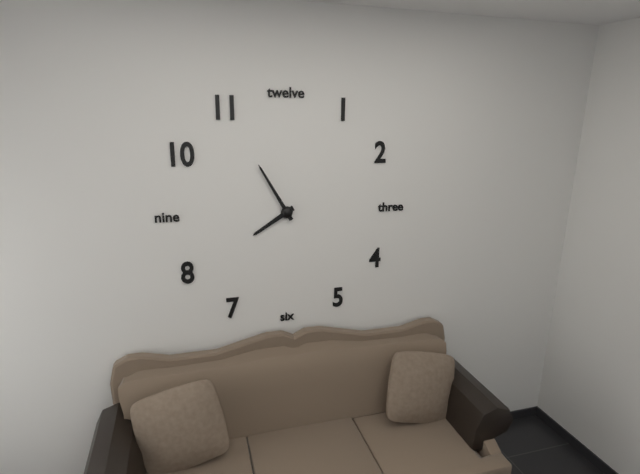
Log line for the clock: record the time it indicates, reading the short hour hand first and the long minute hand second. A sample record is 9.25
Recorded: 7.55
